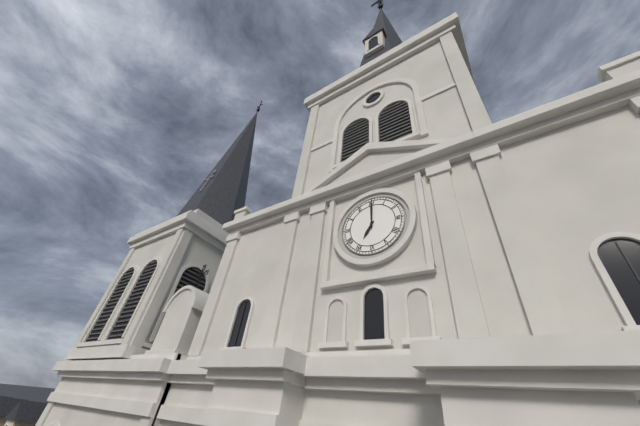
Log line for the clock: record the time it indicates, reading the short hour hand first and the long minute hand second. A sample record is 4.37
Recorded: 7.00
